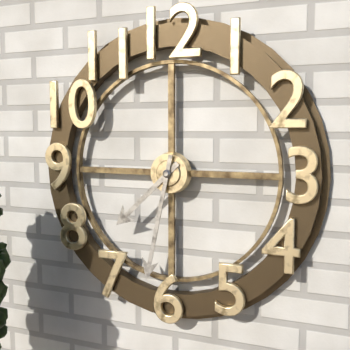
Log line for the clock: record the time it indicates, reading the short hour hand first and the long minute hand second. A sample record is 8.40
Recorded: 7.32
